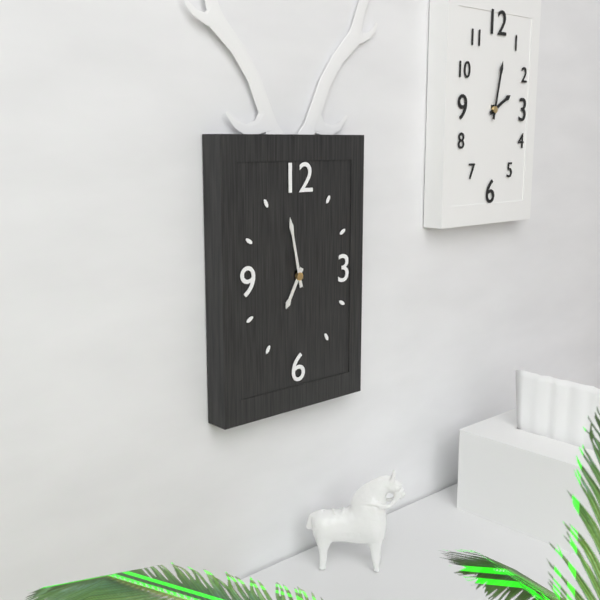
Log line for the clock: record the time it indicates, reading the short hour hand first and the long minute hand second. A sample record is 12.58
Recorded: 6.58
